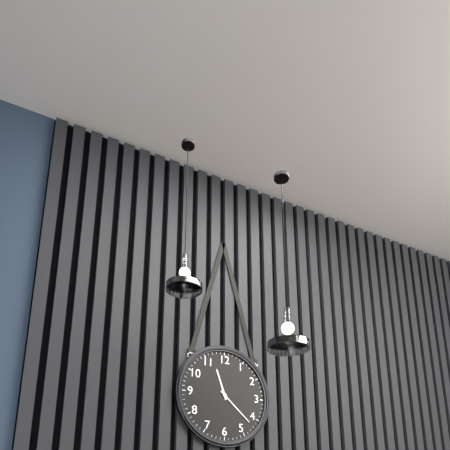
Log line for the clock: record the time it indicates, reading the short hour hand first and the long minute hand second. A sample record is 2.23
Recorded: 11.22
